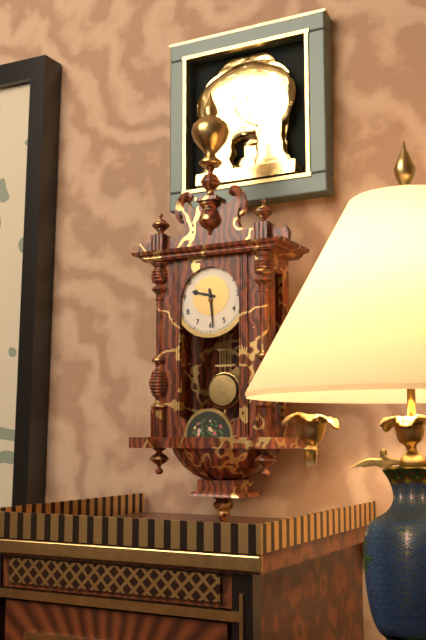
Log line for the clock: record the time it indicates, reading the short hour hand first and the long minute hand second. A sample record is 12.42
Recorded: 9.29
